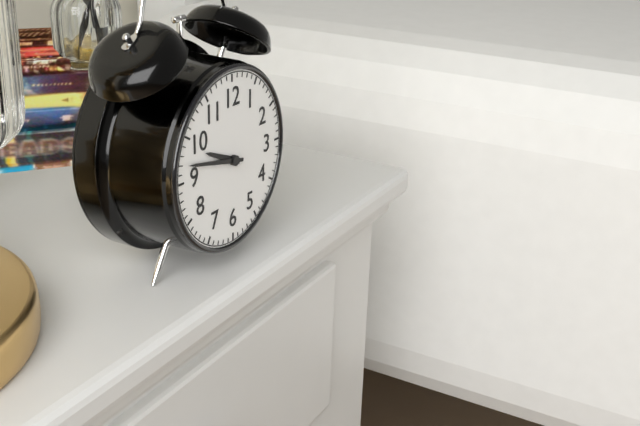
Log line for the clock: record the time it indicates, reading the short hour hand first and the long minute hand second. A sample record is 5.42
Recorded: 9.47
